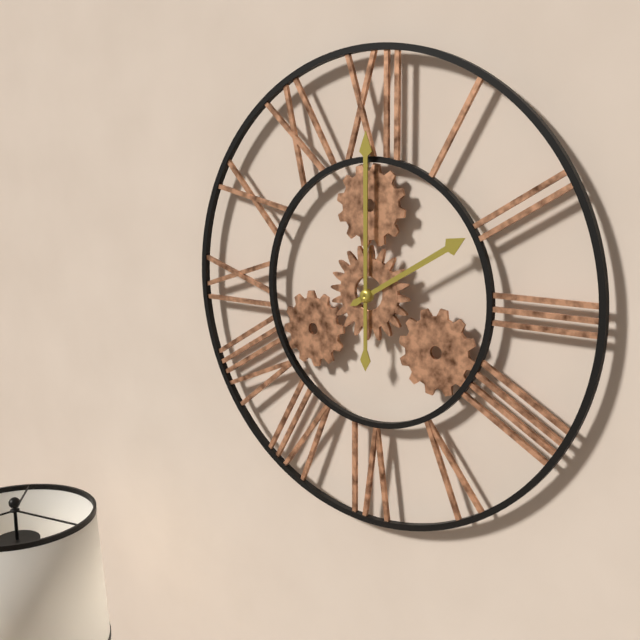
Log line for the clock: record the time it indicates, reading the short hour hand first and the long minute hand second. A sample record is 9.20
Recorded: 2.00
